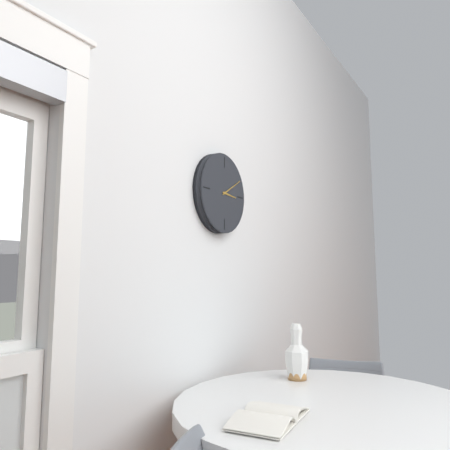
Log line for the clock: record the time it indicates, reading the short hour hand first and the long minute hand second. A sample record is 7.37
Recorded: 3.10
